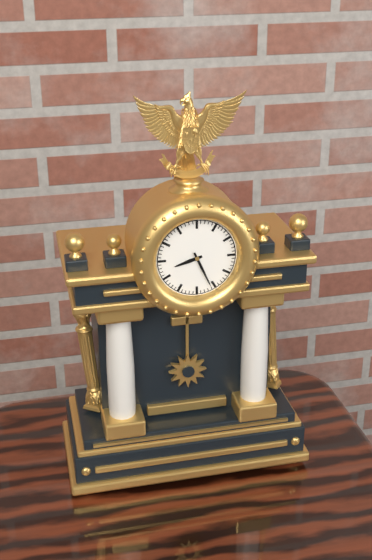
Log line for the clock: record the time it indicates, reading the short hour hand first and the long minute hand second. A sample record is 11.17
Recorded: 8.26
